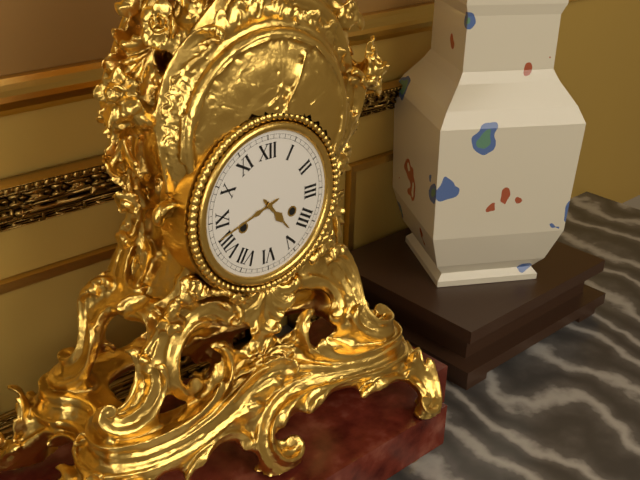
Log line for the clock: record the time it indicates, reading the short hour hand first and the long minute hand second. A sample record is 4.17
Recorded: 4.42
